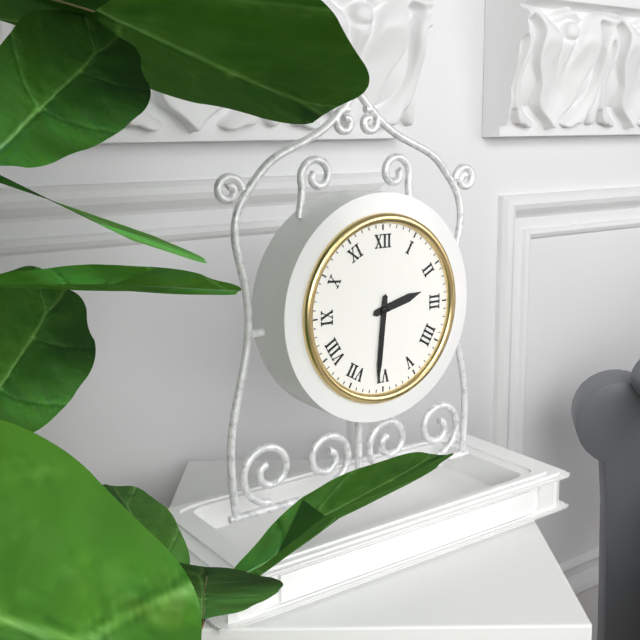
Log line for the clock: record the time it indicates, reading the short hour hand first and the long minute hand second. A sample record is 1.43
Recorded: 2.31
